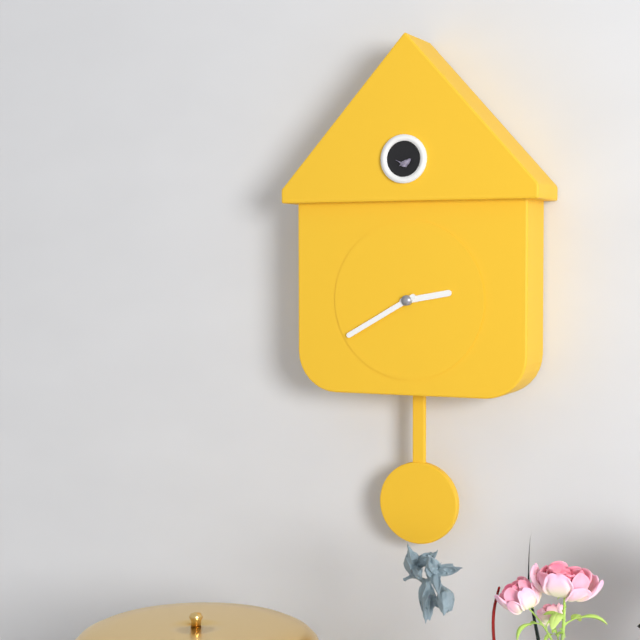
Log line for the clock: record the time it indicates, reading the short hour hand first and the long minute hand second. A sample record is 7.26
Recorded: 2.40
